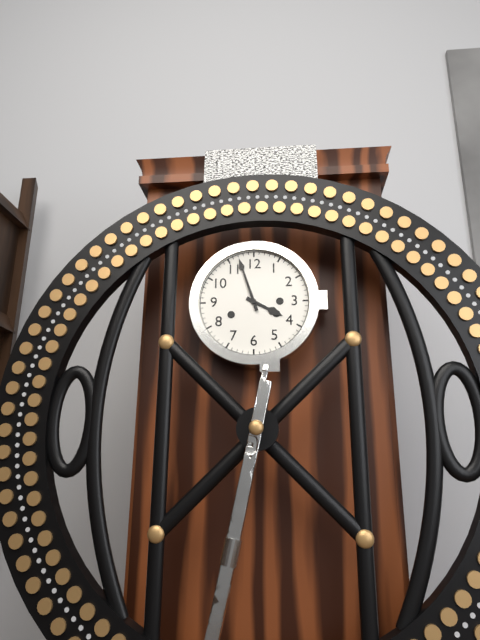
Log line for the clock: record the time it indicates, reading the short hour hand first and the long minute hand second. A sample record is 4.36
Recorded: 3.57
